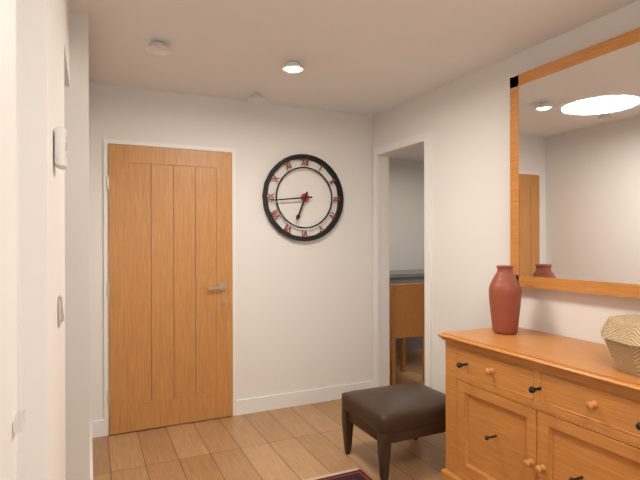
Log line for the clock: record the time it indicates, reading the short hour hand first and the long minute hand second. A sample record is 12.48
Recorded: 6.44
